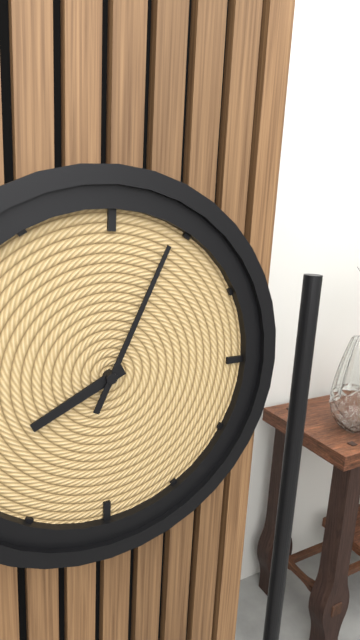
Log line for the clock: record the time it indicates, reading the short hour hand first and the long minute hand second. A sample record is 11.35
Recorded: 8.04
